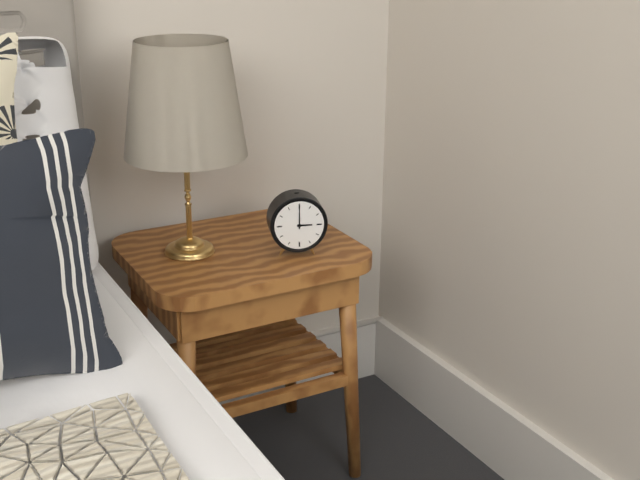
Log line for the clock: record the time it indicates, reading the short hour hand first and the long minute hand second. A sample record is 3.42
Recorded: 3.00
